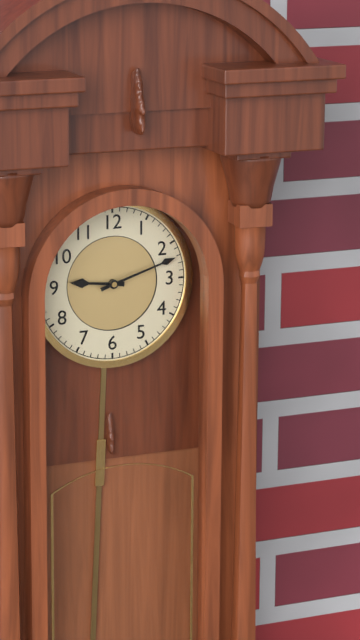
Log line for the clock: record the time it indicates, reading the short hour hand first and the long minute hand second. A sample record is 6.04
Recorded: 9.12
